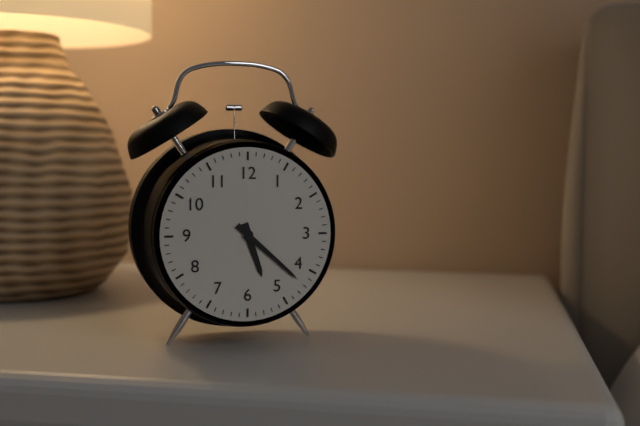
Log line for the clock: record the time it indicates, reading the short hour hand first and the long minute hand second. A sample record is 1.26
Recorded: 5.22
